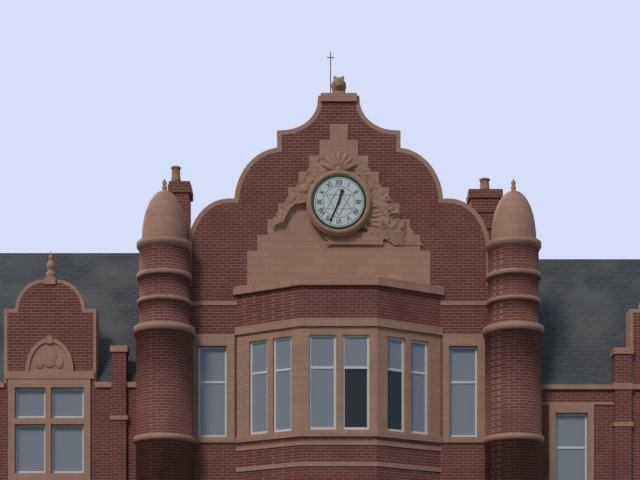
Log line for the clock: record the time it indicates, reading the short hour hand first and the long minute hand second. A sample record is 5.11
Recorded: 12.34
